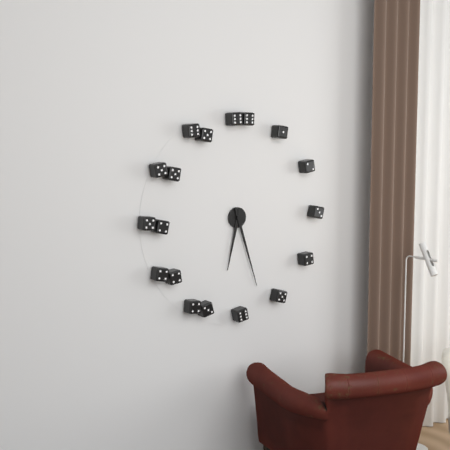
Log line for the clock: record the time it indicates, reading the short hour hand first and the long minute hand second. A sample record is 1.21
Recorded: 6.27
